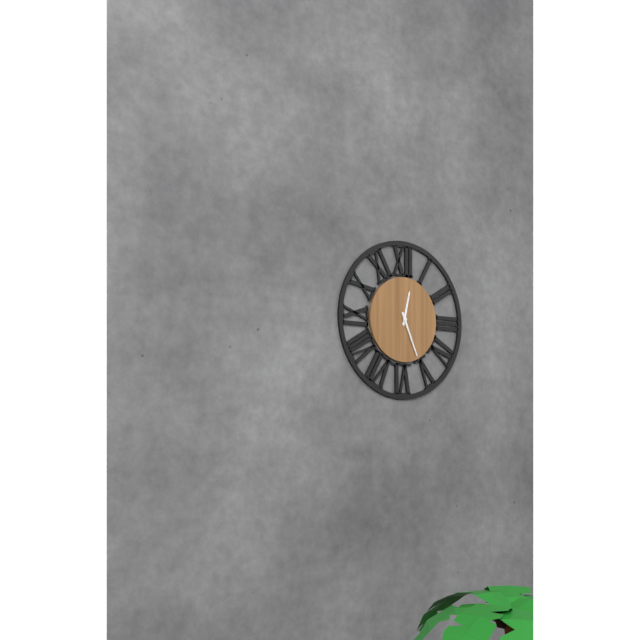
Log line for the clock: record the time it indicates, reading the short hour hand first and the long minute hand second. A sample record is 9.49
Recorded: 12.26
